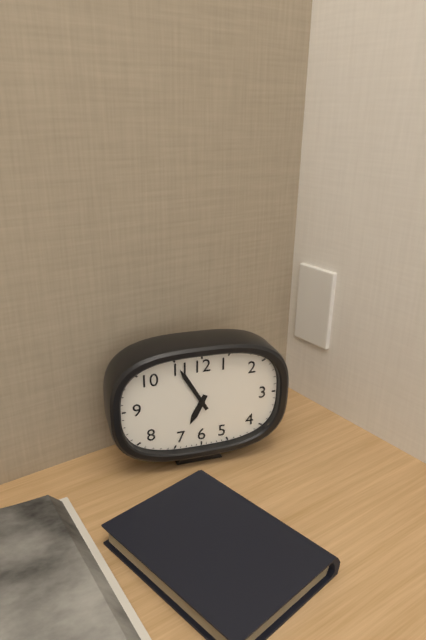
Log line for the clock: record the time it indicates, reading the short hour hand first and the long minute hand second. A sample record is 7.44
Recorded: 6.55
